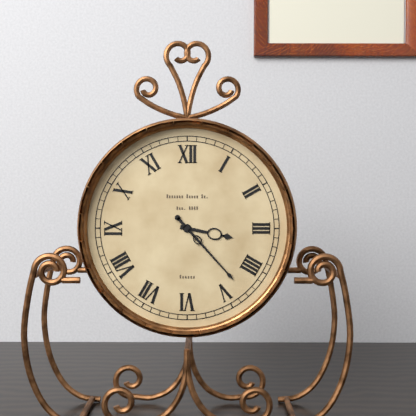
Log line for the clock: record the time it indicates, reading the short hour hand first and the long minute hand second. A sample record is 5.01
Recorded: 3.23
